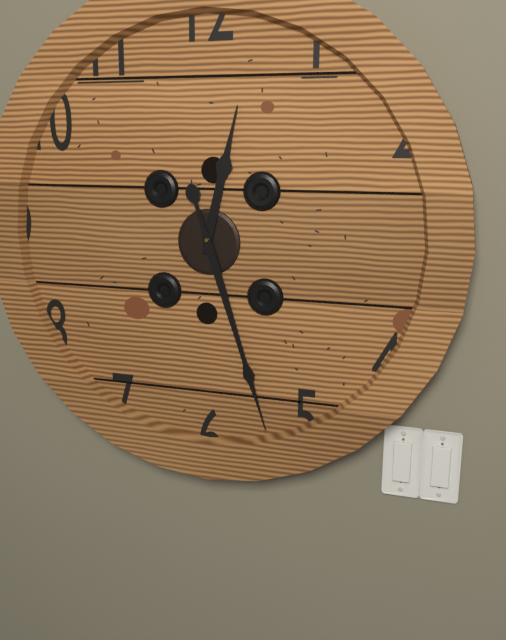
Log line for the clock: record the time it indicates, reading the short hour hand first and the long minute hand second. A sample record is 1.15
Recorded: 12.27
